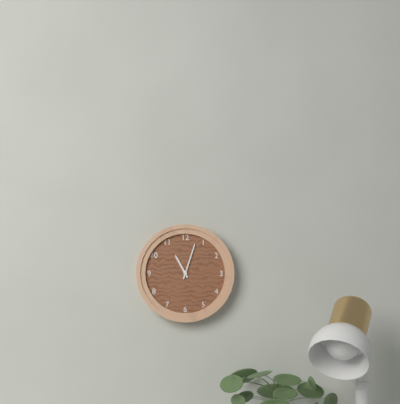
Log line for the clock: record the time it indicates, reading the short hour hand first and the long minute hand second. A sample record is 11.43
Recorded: 11.03
